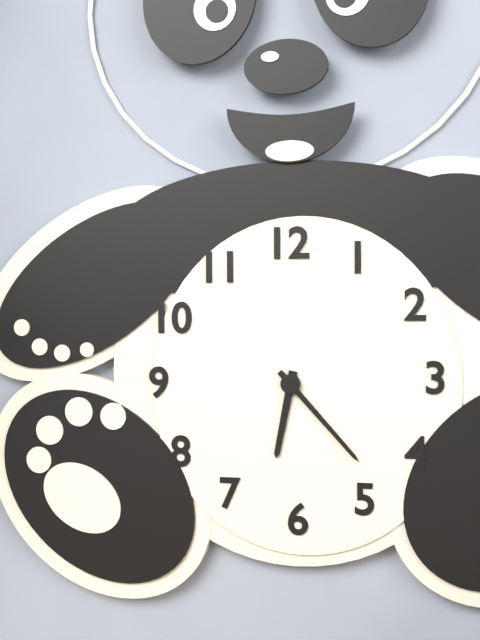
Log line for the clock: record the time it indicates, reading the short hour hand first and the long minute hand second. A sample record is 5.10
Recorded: 6.23
